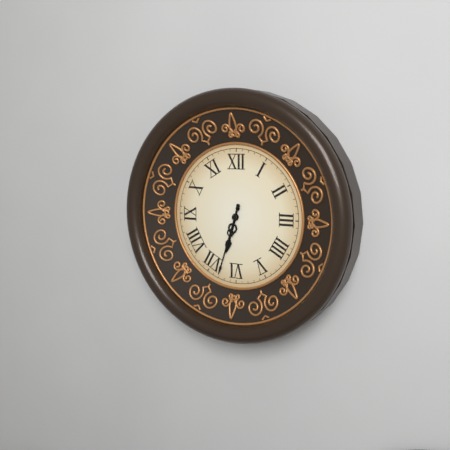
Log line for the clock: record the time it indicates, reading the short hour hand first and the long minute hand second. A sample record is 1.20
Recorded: 6.33
